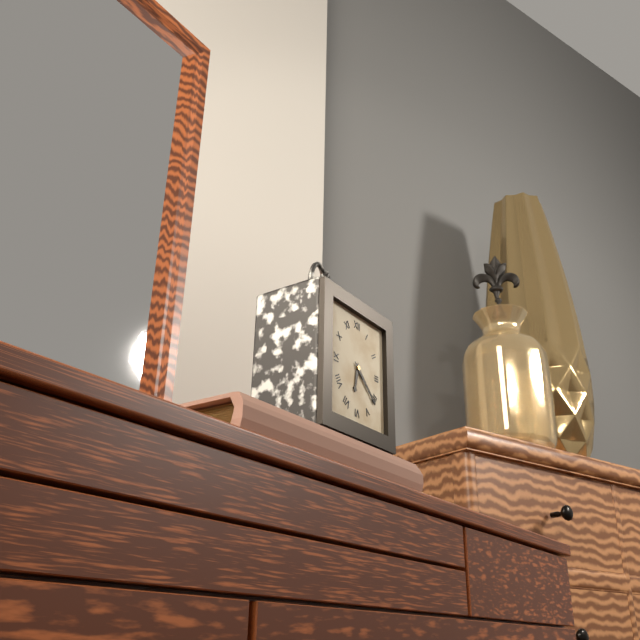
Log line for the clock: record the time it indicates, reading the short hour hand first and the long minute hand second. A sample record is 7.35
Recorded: 6.22
